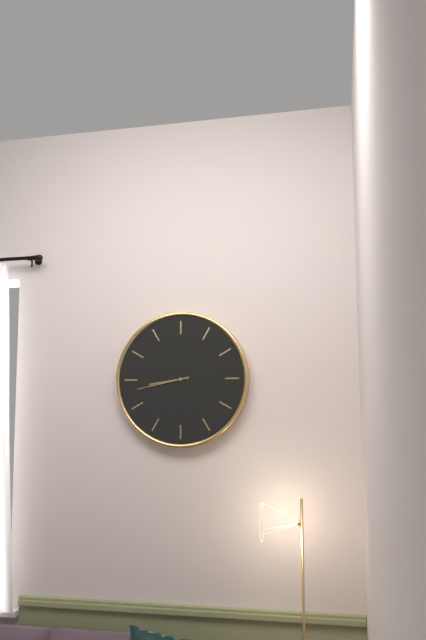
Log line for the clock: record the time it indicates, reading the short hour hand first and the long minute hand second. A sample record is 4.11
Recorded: 8.43
